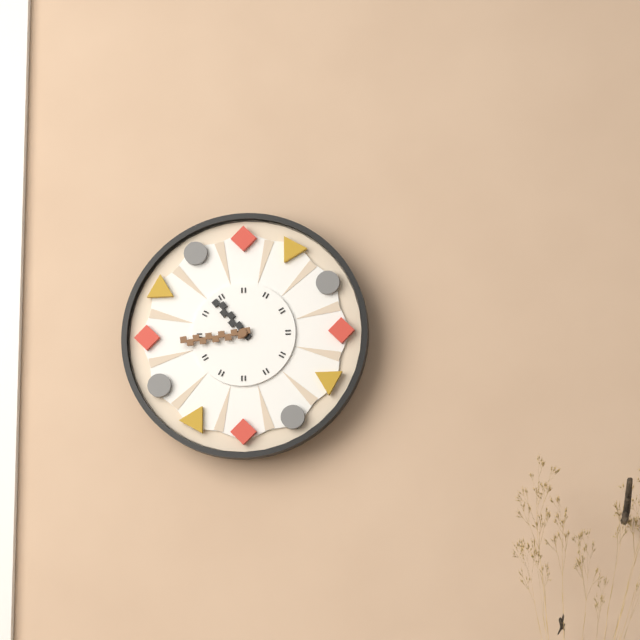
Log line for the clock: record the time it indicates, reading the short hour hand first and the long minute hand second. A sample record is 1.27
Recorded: 10.44
